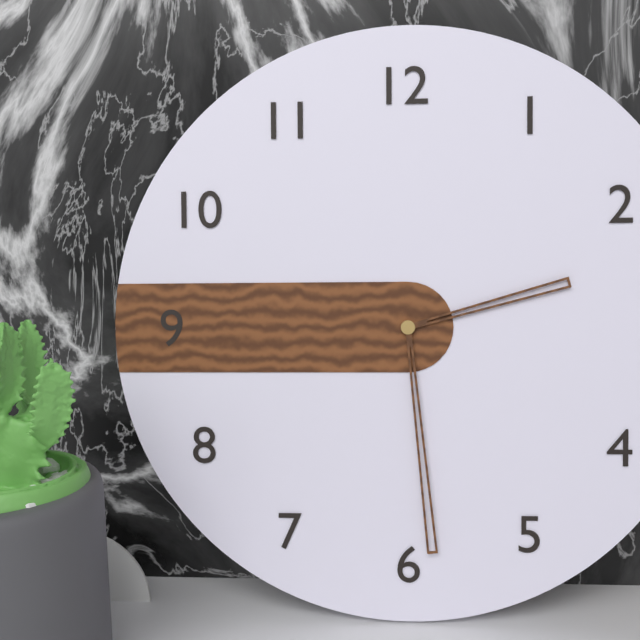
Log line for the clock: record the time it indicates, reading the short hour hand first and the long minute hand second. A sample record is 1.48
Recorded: 2.29
